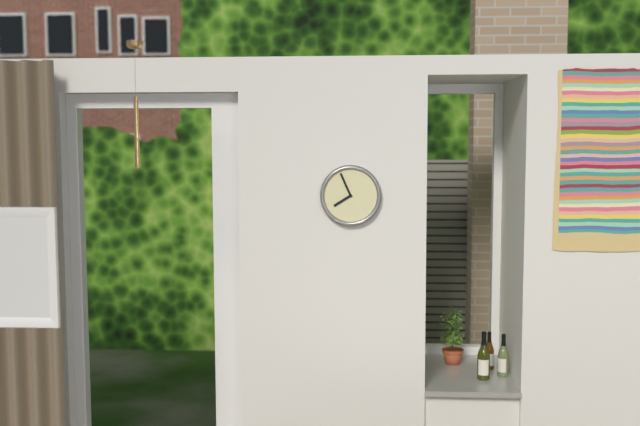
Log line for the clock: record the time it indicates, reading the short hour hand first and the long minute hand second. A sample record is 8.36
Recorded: 7.56
